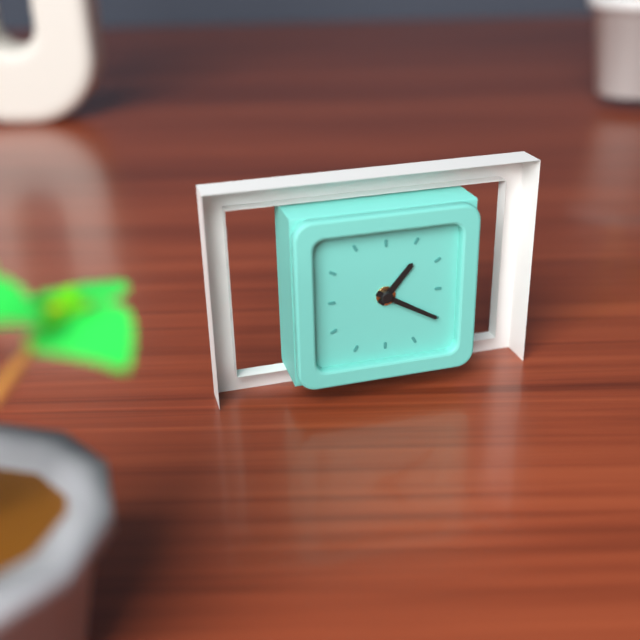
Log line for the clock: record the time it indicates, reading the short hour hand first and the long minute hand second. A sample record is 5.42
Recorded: 1.20
